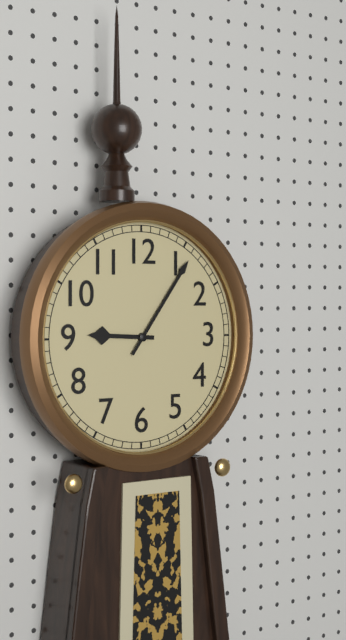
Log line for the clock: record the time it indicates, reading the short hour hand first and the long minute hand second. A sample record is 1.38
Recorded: 9.06
